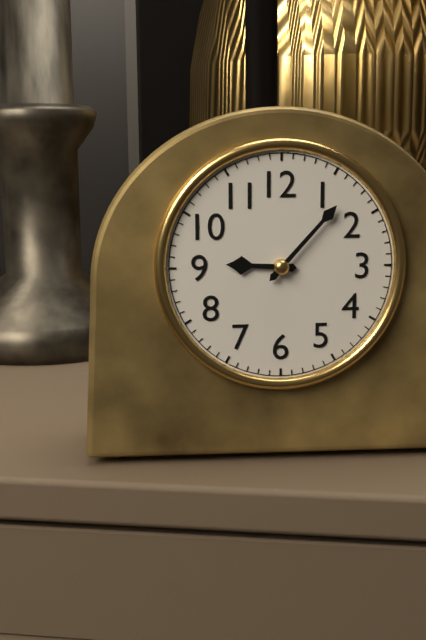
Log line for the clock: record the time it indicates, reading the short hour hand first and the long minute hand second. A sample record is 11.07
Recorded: 9.07
